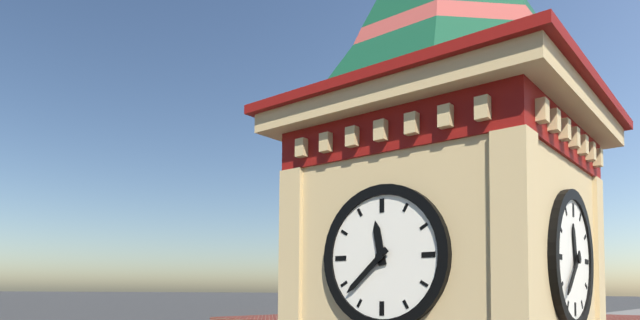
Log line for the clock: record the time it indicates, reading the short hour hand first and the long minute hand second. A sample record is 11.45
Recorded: 11.38
